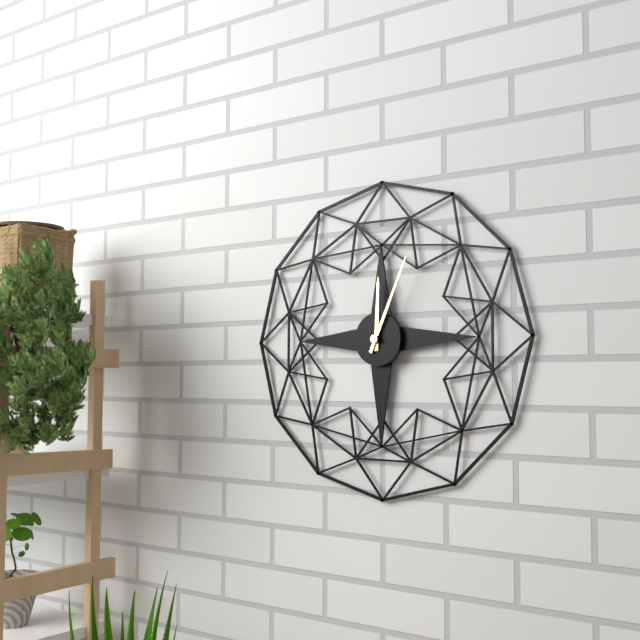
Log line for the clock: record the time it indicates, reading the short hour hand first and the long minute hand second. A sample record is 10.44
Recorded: 12.04
